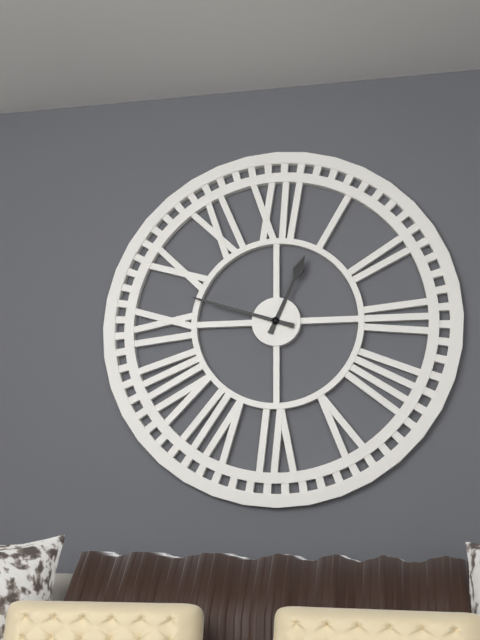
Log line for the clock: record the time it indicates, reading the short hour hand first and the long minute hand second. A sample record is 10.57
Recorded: 12.48
